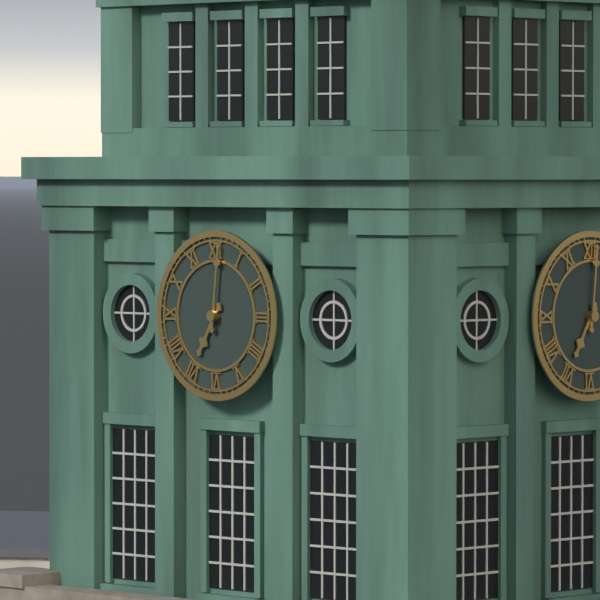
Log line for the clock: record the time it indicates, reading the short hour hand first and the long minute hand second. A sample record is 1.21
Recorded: 7.01
